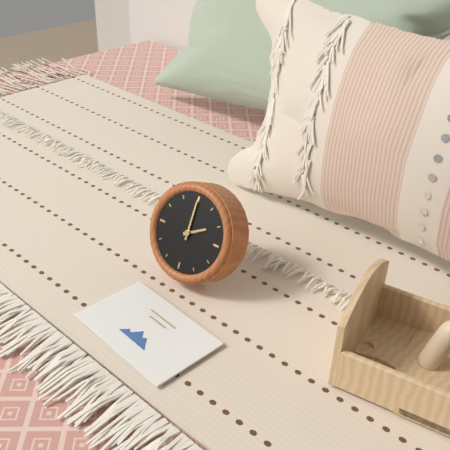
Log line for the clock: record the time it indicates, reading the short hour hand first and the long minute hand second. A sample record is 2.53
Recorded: 2.00
